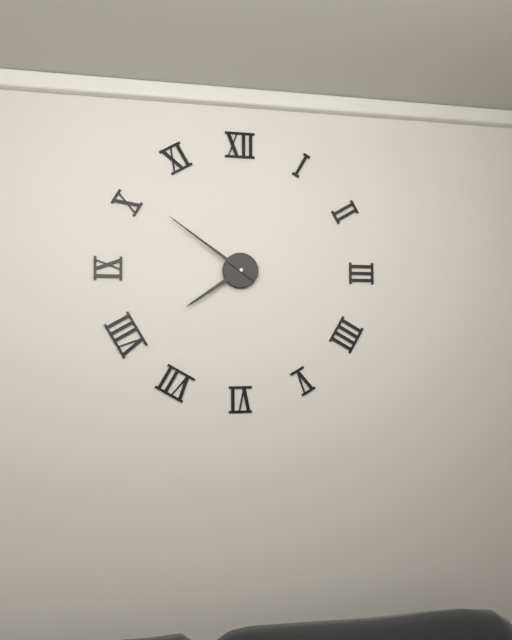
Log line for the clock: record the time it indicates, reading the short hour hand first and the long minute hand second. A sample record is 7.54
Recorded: 7.51
